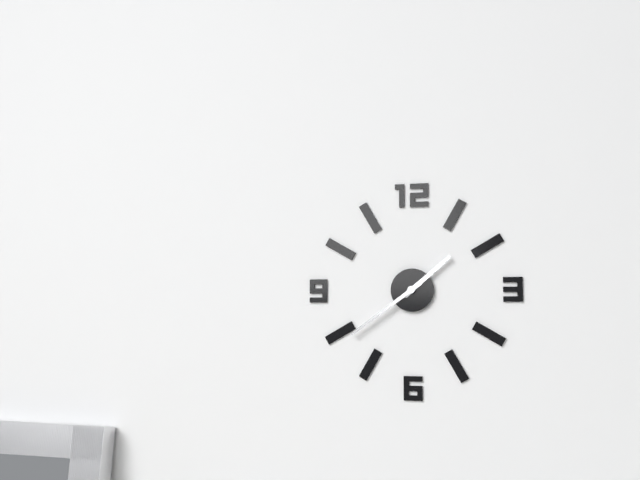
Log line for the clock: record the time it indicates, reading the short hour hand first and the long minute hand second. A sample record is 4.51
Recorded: 1.39
